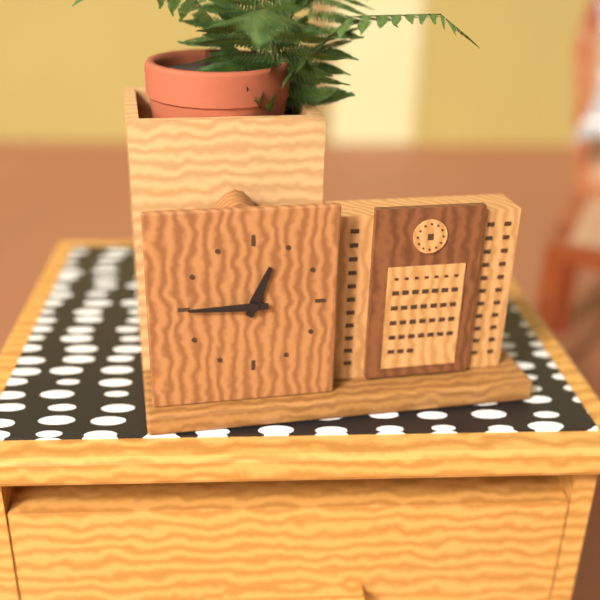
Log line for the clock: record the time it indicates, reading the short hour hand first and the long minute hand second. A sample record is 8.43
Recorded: 12.45
